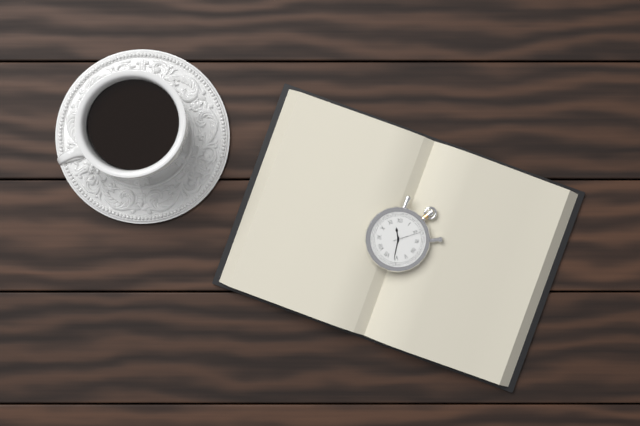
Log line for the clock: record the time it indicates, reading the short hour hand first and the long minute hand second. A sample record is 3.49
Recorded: 11.31
